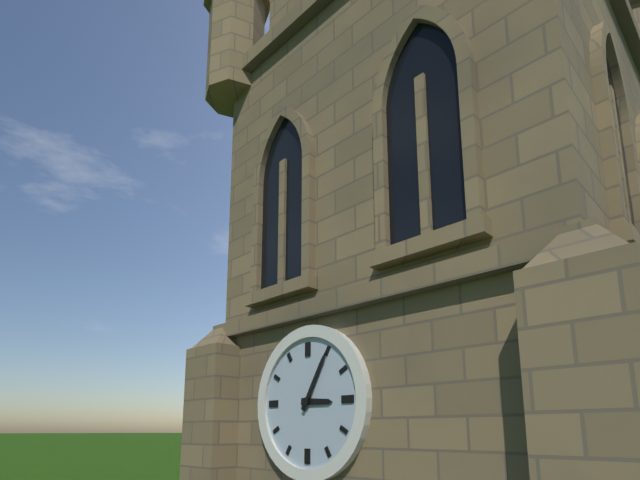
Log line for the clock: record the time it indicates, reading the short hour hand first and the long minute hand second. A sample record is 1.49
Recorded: 3.05
